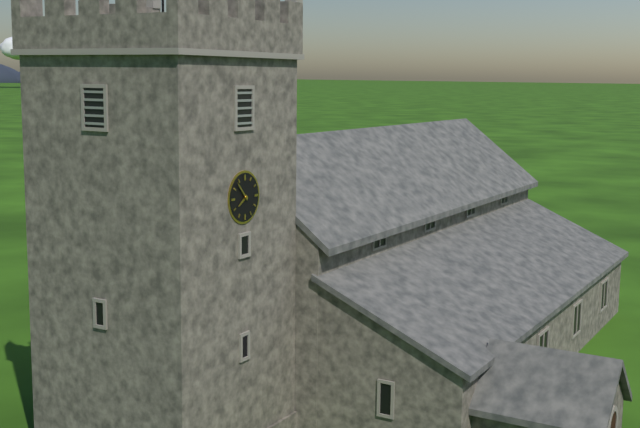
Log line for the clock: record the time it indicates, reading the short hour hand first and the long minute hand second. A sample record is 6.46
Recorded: 7.53
